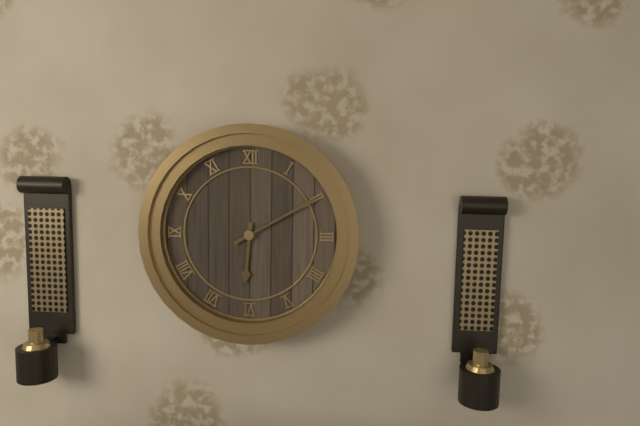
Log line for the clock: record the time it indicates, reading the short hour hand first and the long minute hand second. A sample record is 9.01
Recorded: 6.10
